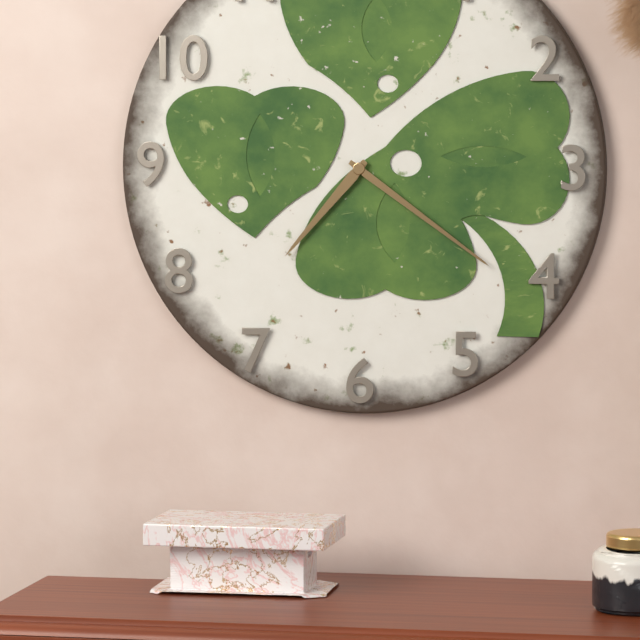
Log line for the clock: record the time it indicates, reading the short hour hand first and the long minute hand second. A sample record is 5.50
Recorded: 7.21
